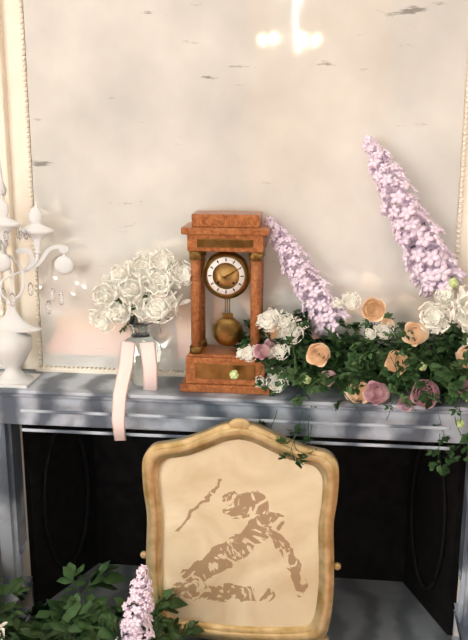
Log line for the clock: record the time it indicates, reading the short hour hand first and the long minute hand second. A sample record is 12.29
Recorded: 2.10
